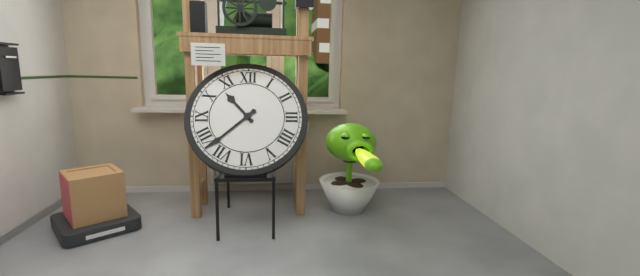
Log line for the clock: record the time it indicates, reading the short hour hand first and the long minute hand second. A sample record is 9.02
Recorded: 10.38
